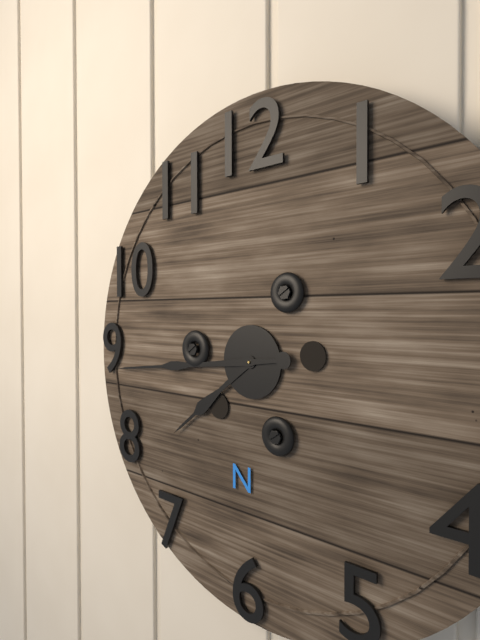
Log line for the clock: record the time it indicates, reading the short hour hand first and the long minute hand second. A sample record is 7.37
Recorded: 7.44
